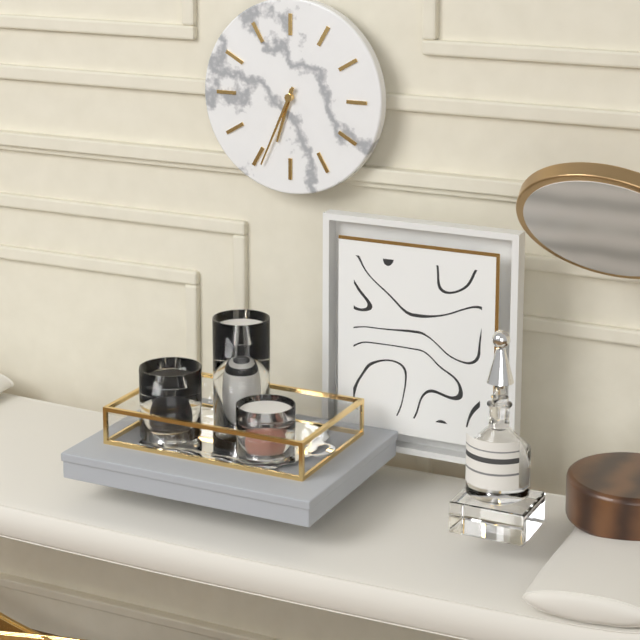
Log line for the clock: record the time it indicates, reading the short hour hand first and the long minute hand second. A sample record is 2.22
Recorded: 6.34
